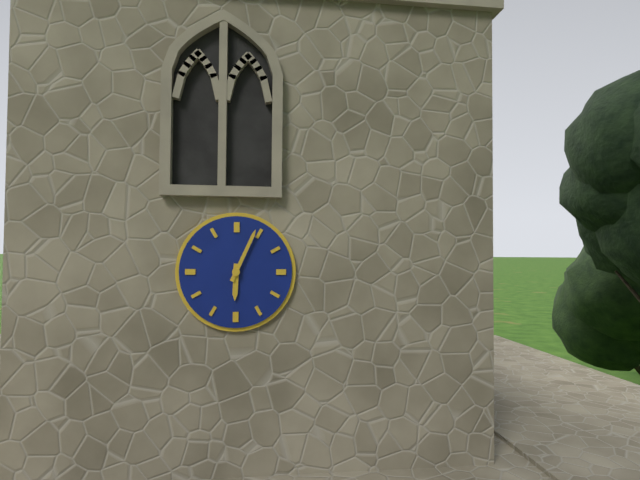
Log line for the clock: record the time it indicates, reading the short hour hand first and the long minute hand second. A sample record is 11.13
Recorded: 6.04
